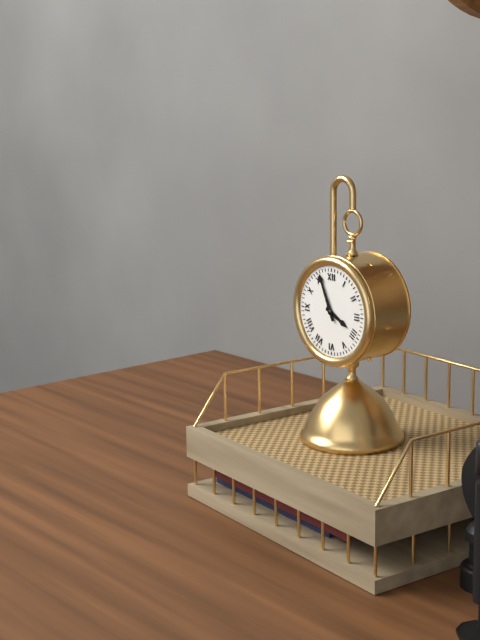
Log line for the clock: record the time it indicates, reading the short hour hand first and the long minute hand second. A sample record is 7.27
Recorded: 3.56
